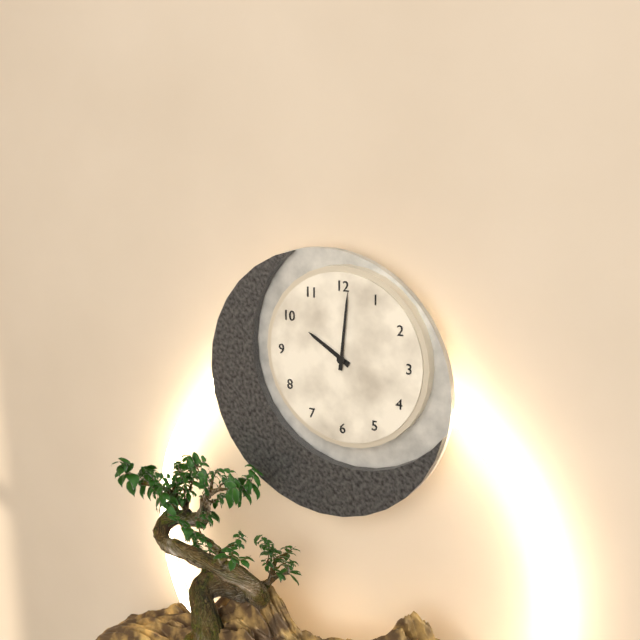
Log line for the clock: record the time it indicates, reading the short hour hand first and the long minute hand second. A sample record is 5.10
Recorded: 10.01
